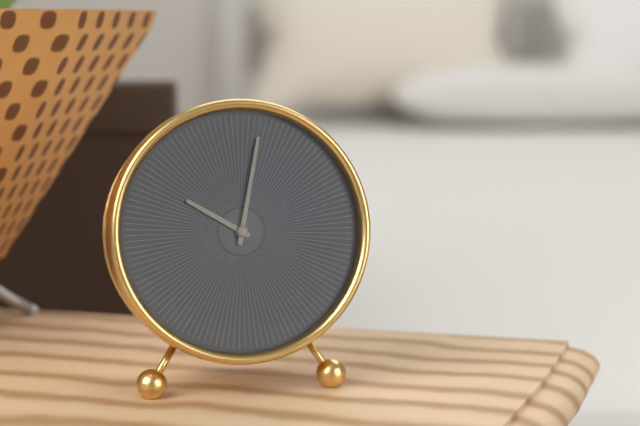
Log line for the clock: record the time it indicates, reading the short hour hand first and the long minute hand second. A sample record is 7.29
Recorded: 10.02
